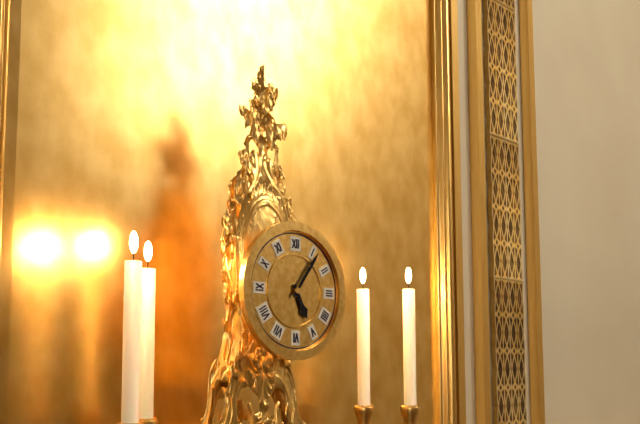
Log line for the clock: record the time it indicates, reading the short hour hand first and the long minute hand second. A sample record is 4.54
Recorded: 5.06
